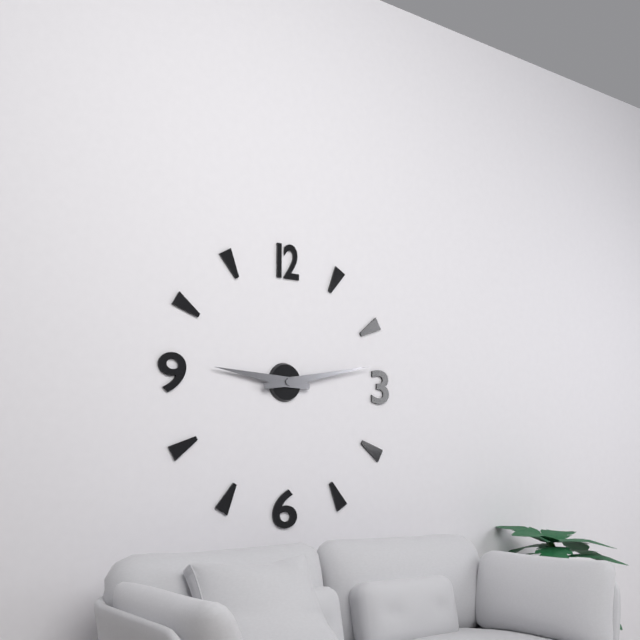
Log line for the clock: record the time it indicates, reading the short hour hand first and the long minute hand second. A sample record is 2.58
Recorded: 9.13
